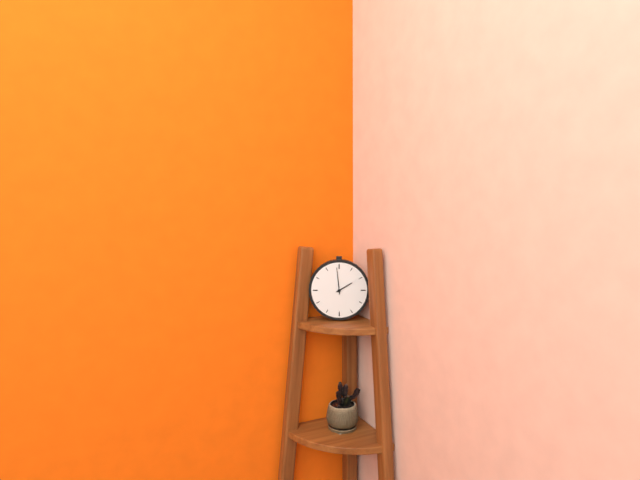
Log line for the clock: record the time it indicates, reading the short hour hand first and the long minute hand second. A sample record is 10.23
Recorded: 1.59
